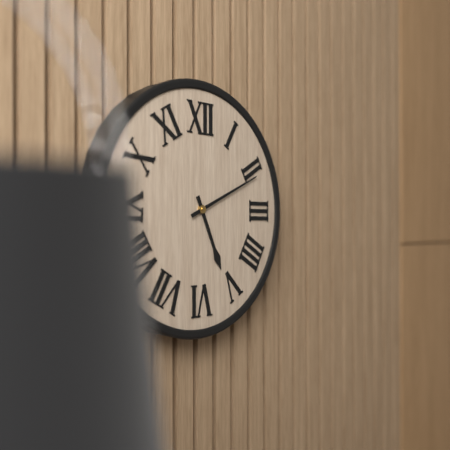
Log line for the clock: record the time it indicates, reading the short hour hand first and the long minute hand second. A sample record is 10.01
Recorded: 5.11
